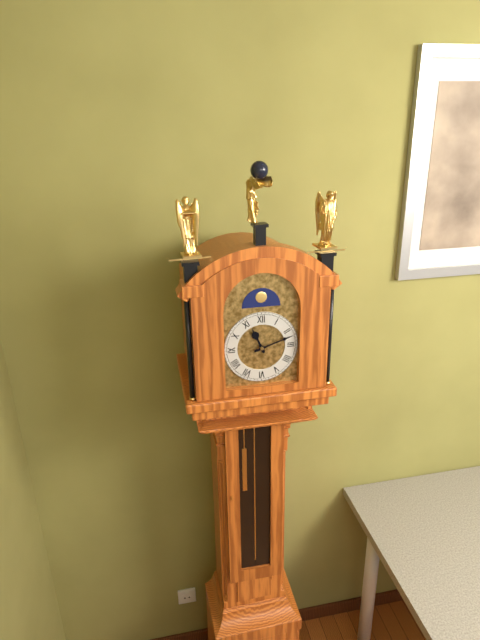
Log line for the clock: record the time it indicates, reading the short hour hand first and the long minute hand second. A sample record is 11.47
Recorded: 11.12
